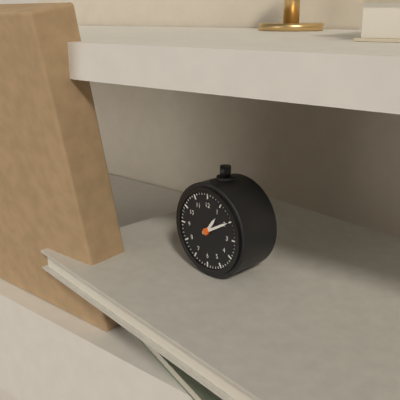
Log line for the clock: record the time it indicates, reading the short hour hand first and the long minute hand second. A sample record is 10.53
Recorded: 1.10
